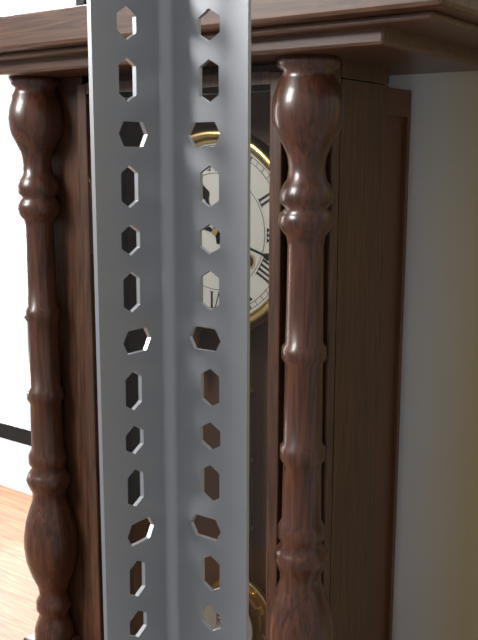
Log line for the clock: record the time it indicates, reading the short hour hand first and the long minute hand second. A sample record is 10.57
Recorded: 11.18
